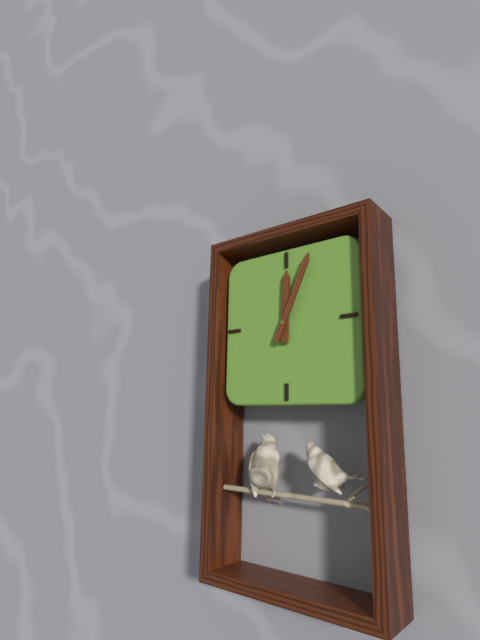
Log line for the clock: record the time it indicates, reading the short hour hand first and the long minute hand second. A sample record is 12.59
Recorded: 12.04
